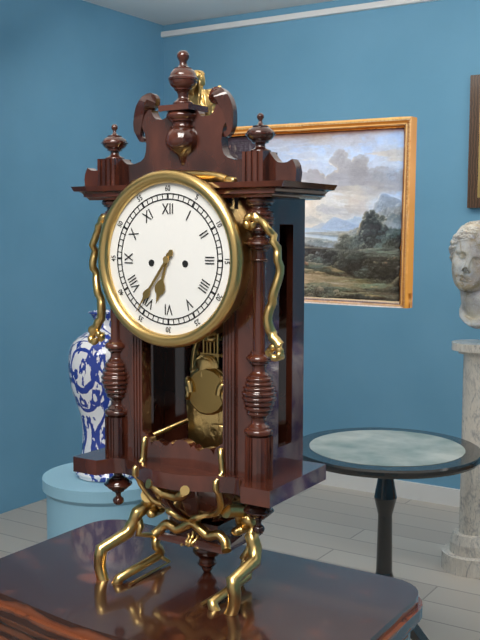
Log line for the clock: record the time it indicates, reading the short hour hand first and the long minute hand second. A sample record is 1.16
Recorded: 6.36
